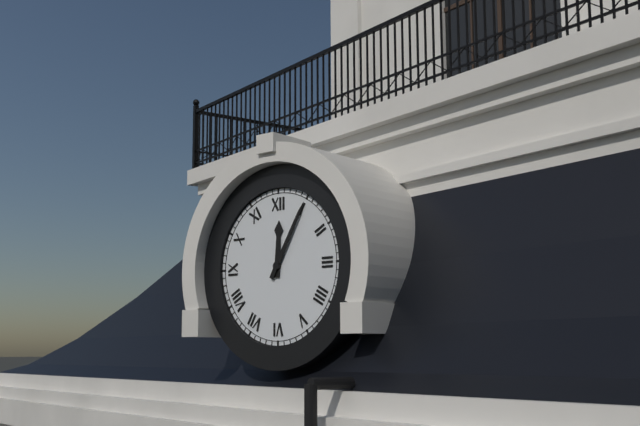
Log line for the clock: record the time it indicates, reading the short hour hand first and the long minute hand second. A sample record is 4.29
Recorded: 12.05
